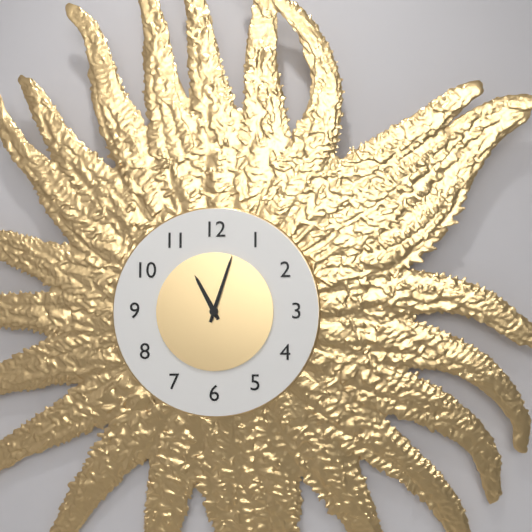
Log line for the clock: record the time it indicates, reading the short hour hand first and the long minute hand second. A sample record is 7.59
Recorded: 11.03
